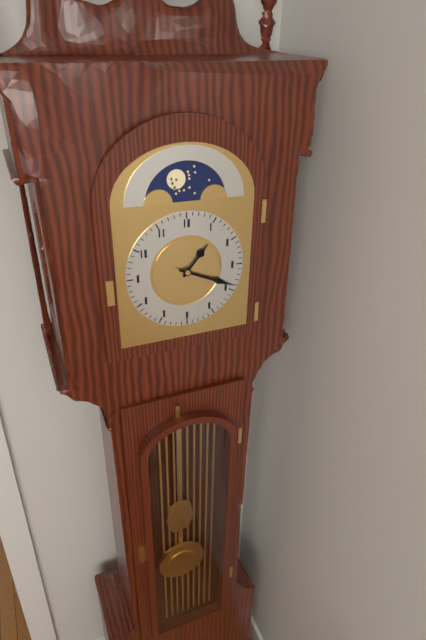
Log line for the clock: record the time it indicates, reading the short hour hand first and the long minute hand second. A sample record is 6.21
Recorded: 1.19
